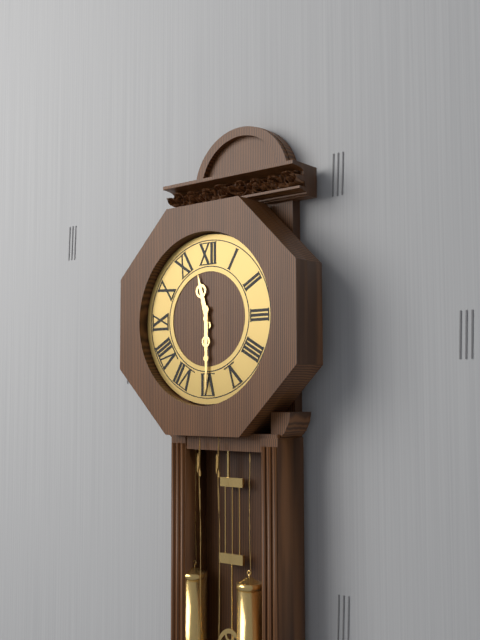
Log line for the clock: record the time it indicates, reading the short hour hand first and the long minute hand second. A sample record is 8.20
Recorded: 11.30
